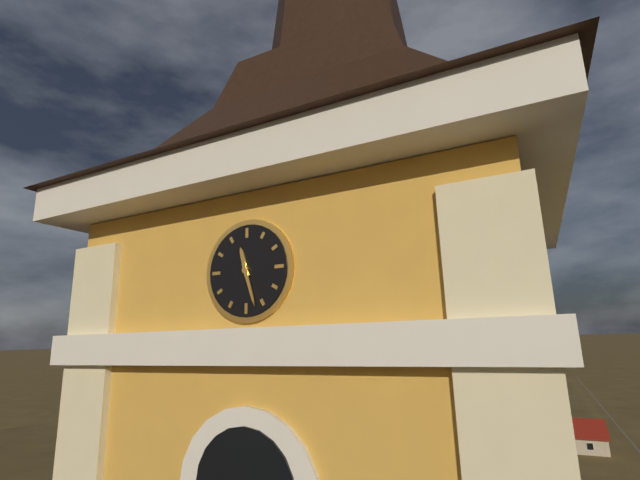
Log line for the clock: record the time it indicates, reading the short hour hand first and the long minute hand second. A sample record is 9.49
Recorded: 11.27
